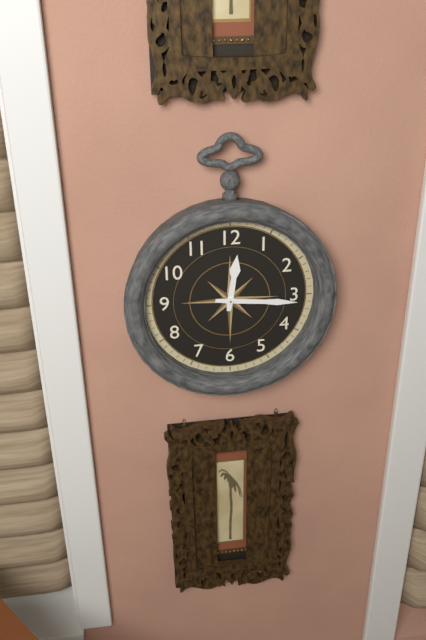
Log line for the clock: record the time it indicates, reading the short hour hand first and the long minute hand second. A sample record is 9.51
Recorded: 12.16
